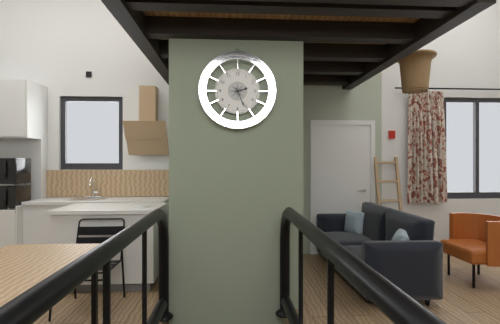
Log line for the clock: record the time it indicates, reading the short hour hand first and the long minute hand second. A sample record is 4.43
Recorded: 2.26
